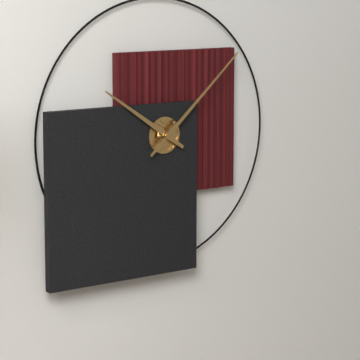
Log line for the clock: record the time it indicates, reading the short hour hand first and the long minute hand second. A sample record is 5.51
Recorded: 10.08
